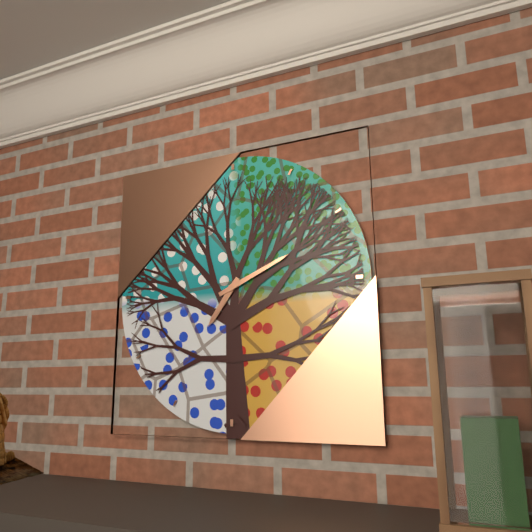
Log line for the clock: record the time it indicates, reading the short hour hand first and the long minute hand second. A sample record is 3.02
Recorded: 7.11
